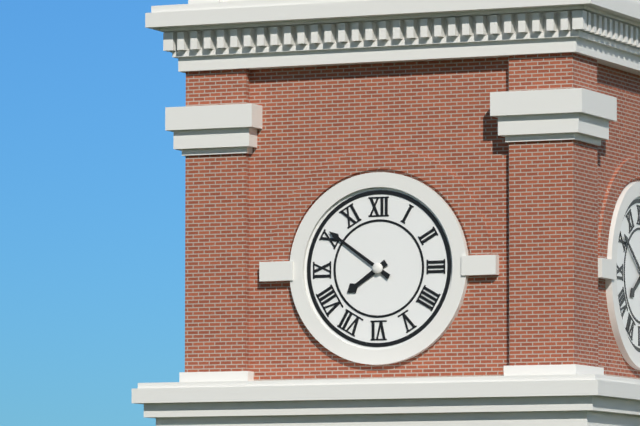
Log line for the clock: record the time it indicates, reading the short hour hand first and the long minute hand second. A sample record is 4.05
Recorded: 7.51
